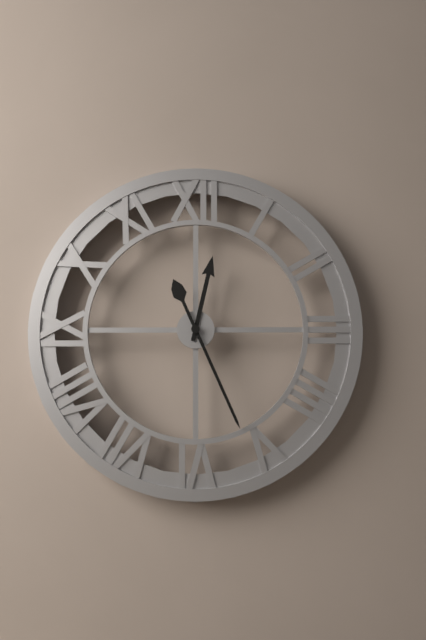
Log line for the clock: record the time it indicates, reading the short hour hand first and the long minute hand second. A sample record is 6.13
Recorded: 12.26
